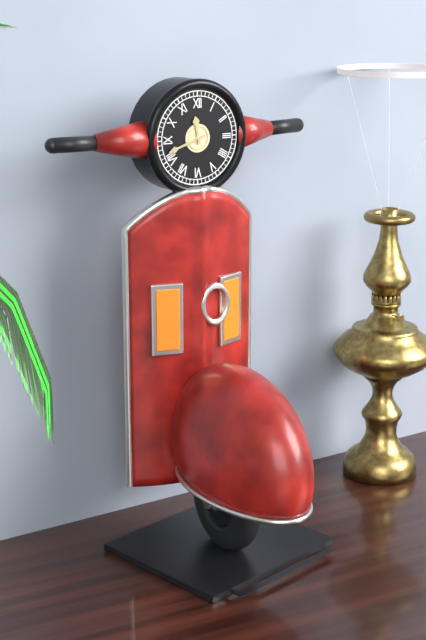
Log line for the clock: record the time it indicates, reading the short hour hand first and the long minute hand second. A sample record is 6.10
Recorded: 11.42
